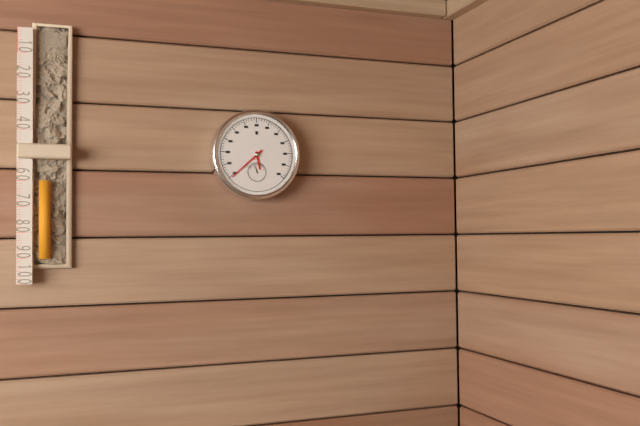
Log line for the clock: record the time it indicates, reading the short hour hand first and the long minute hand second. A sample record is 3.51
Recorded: 5.38
